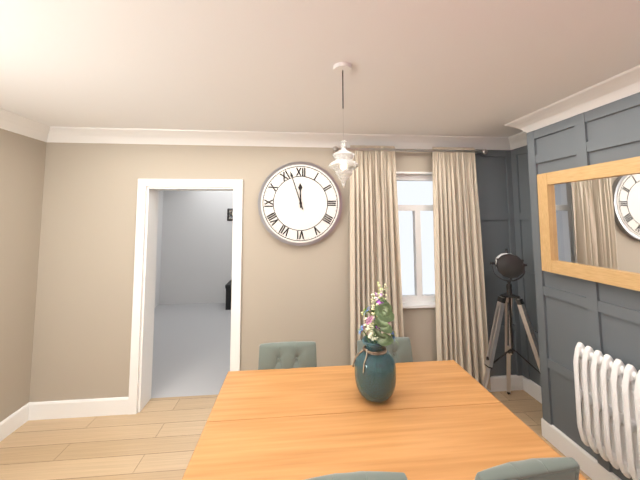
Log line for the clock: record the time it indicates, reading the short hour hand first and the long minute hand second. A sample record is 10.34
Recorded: 11.57
